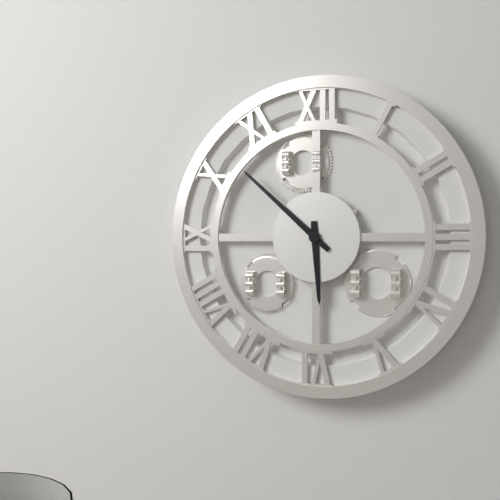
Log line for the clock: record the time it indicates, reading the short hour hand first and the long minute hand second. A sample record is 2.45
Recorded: 5.52
